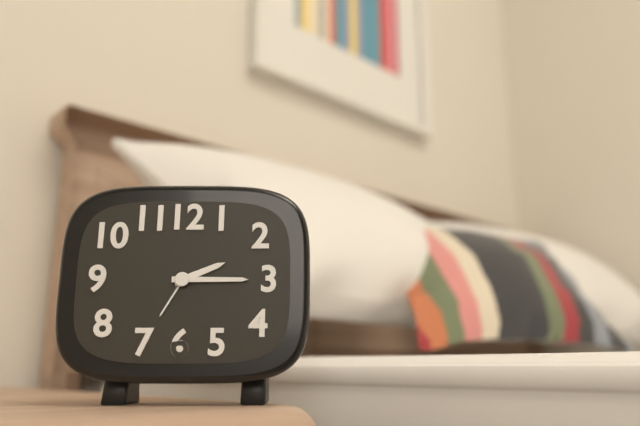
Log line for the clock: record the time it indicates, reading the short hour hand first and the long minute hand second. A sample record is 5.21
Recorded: 2.15
